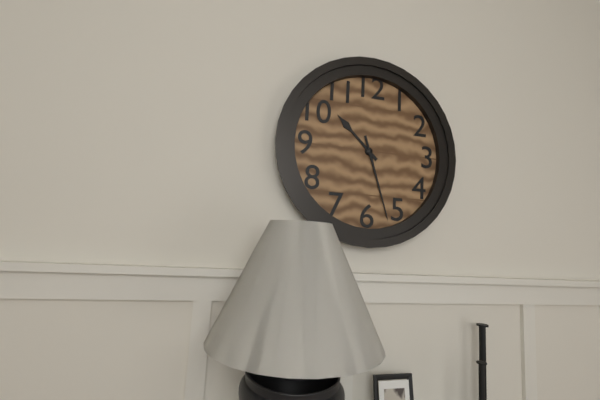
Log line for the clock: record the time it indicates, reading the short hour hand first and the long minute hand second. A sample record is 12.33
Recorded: 10.27
